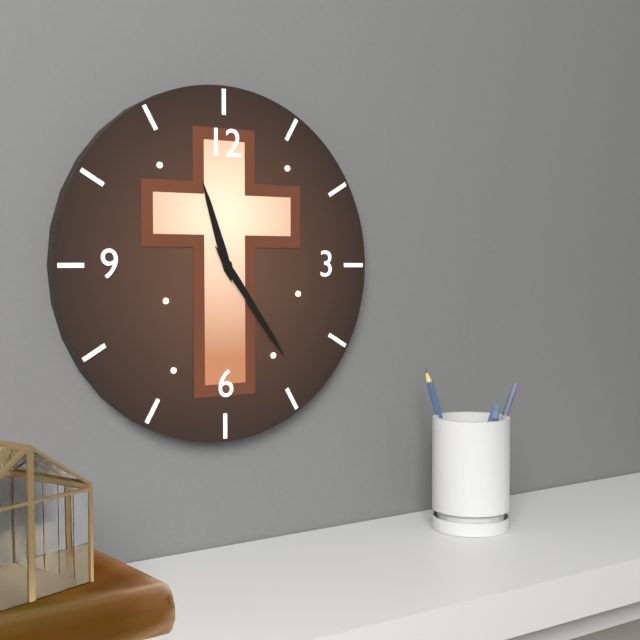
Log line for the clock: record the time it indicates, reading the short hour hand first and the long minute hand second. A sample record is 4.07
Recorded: 11.24
